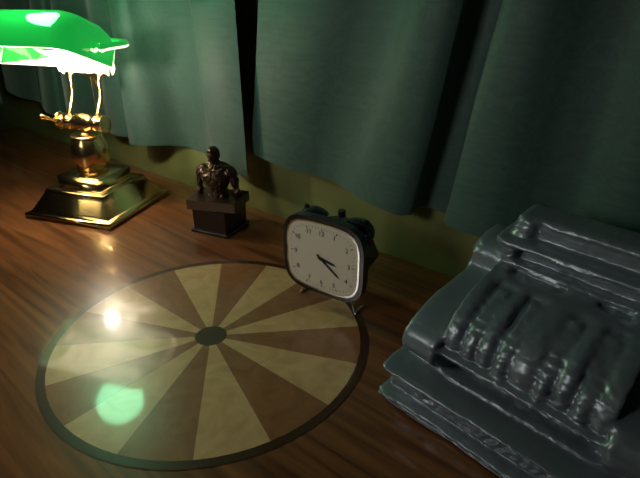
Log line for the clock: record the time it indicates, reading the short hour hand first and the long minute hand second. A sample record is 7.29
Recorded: 3.21
